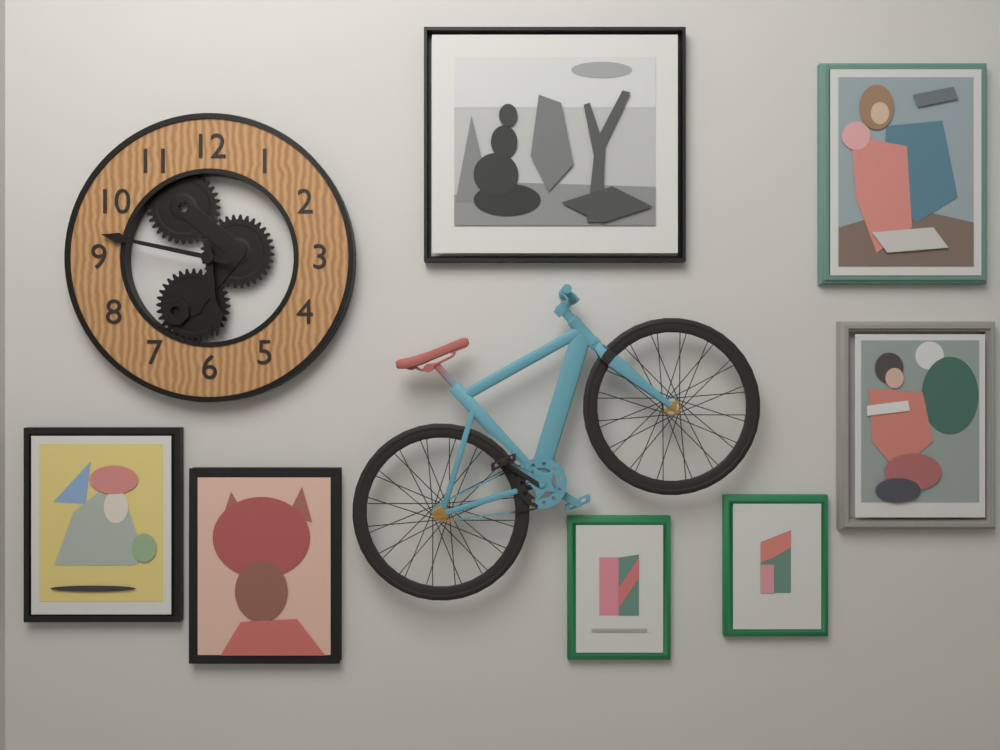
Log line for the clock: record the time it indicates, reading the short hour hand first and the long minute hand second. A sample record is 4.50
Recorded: 5.47
